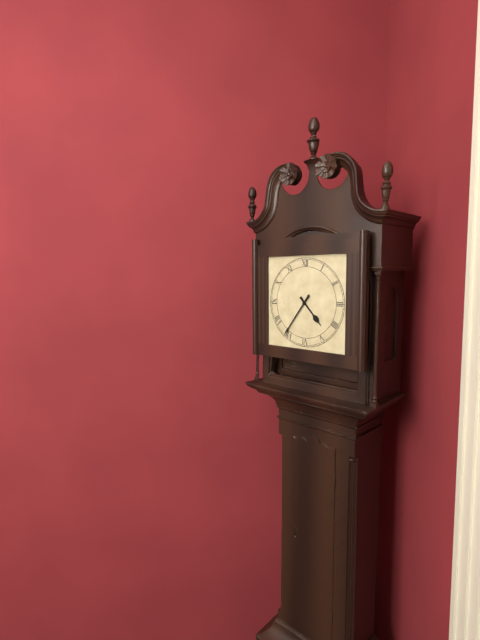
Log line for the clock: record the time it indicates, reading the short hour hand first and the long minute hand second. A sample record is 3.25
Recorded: 4.36
